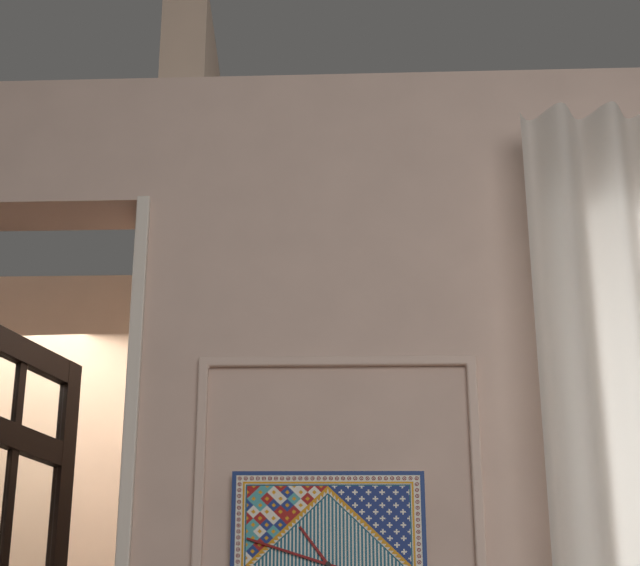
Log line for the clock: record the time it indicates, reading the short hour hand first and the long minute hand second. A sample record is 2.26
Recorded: 10.48
